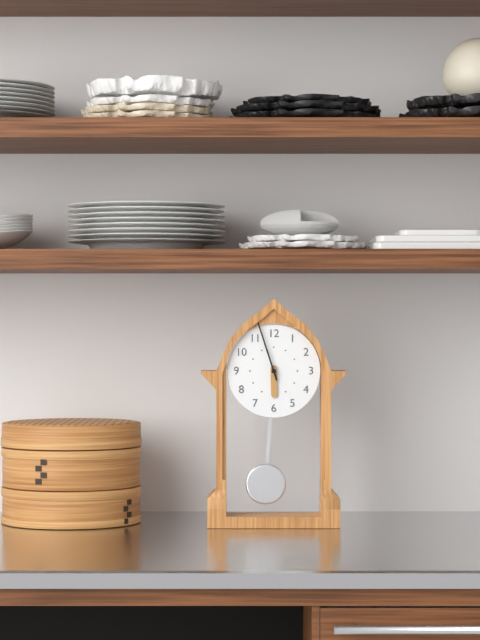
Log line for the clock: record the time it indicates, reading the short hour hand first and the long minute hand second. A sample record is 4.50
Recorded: 5.57
